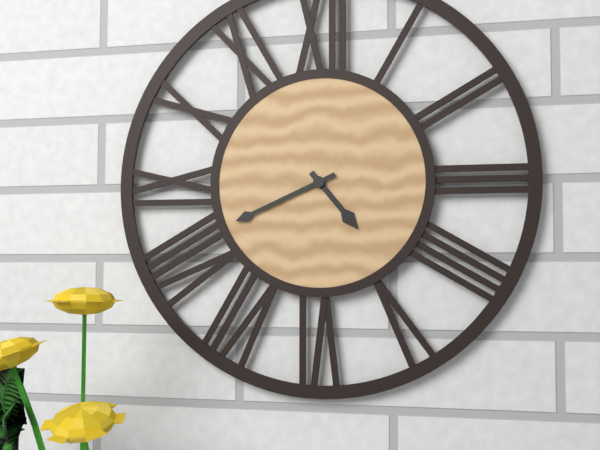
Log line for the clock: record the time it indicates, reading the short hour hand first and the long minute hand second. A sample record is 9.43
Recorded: 4.41
